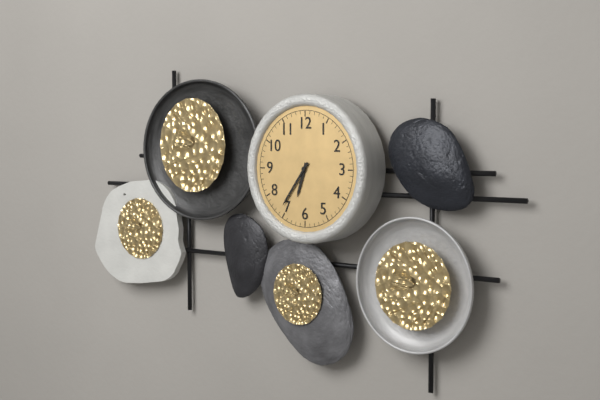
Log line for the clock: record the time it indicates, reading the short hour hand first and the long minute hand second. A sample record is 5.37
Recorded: 6.36
